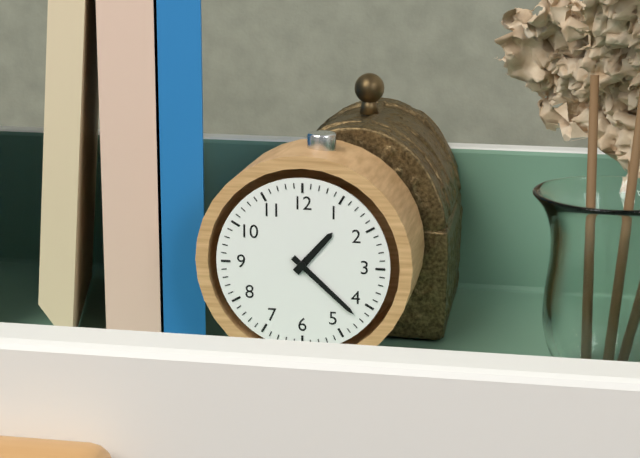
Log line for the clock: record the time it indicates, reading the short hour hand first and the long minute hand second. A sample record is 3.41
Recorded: 1.22
